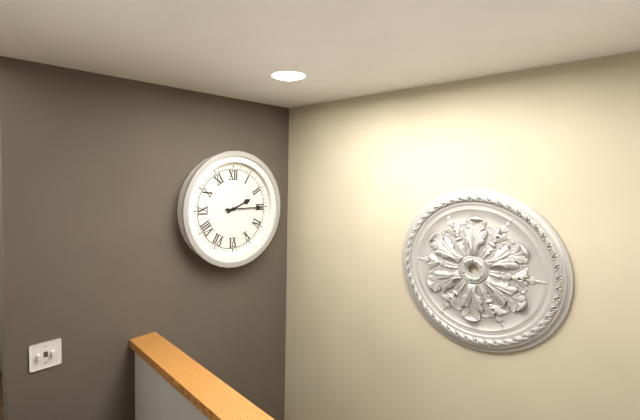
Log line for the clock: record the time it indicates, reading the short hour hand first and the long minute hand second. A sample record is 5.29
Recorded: 2.15
